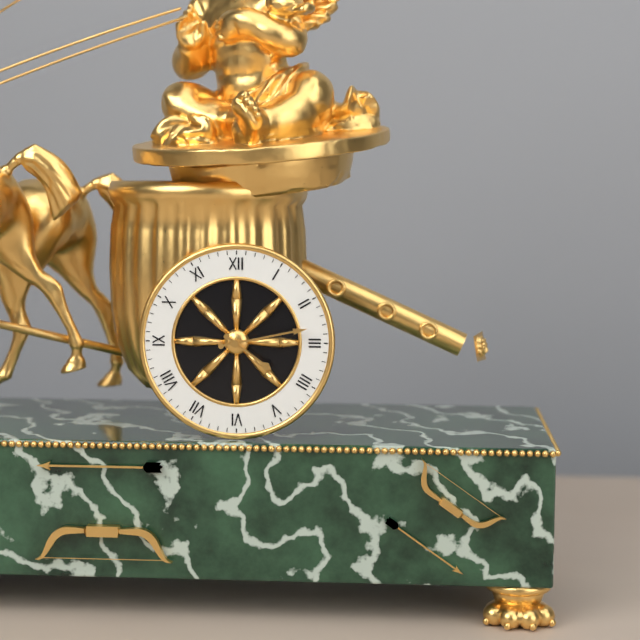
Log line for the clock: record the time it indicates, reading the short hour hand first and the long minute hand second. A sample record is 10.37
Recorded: 4.13
